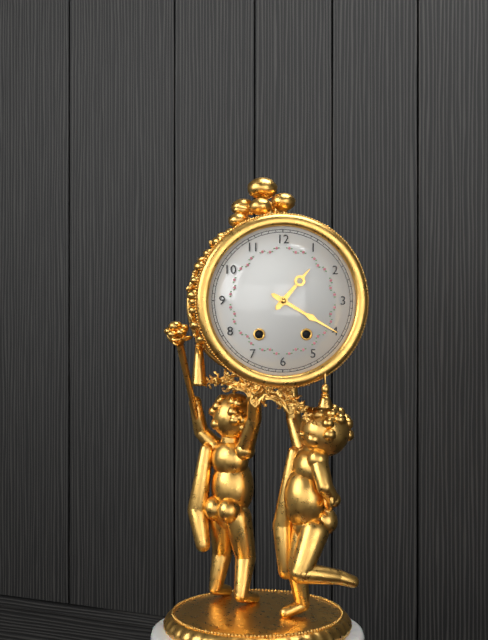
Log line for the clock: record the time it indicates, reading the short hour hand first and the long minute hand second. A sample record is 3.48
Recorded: 1.20
